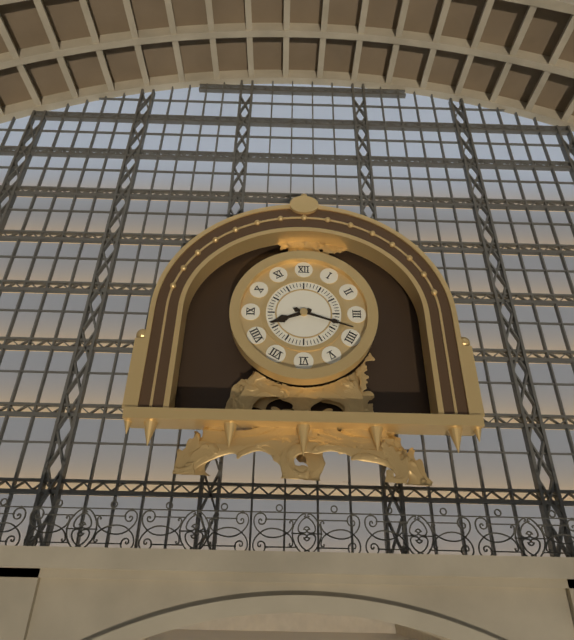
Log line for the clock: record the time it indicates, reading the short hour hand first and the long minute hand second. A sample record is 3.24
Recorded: 8.18
